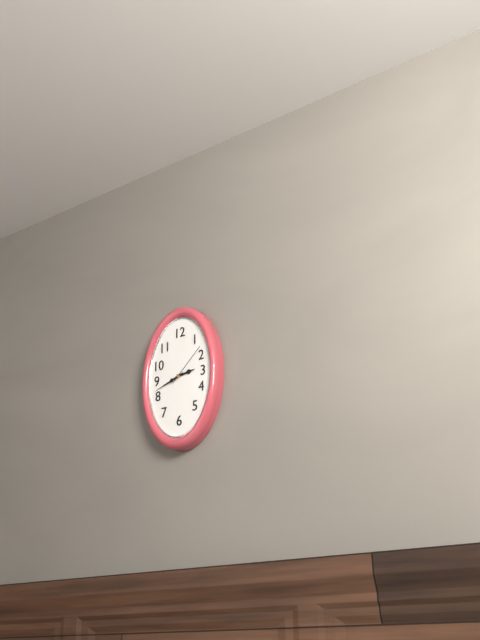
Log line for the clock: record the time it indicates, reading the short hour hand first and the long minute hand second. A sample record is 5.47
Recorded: 2.42
